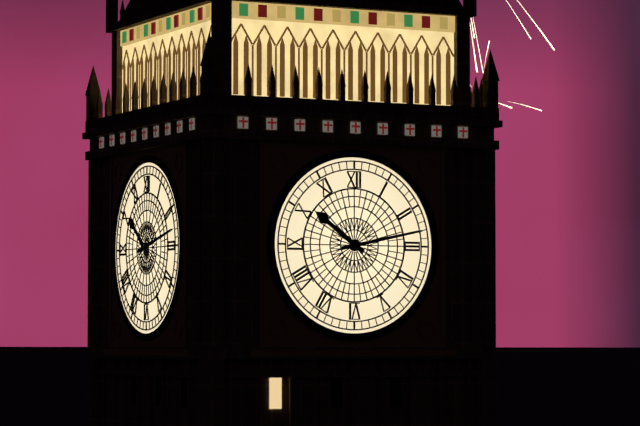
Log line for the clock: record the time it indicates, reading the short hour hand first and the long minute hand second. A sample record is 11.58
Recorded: 10.13
